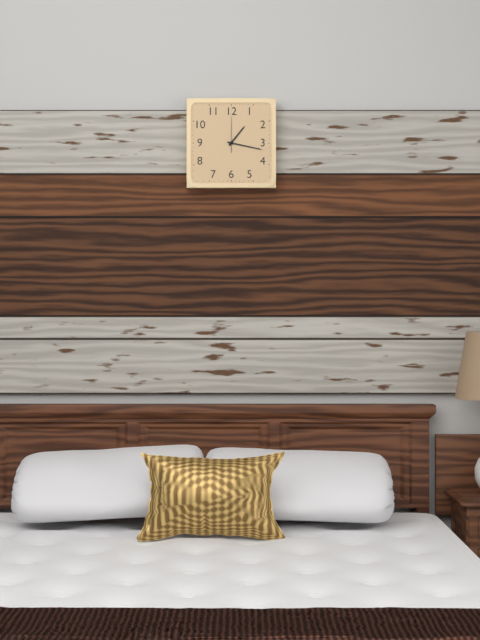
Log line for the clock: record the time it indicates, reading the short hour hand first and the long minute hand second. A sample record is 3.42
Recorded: 1.17
